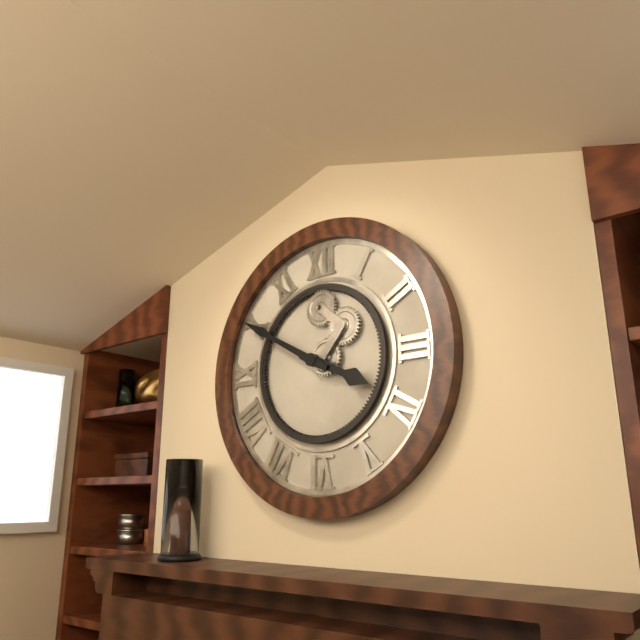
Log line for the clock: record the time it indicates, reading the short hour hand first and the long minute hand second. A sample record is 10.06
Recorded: 3.50
